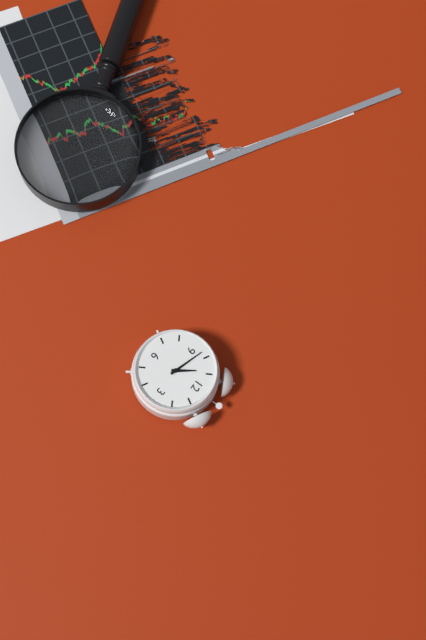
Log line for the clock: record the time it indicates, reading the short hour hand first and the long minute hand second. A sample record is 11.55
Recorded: 10.48
